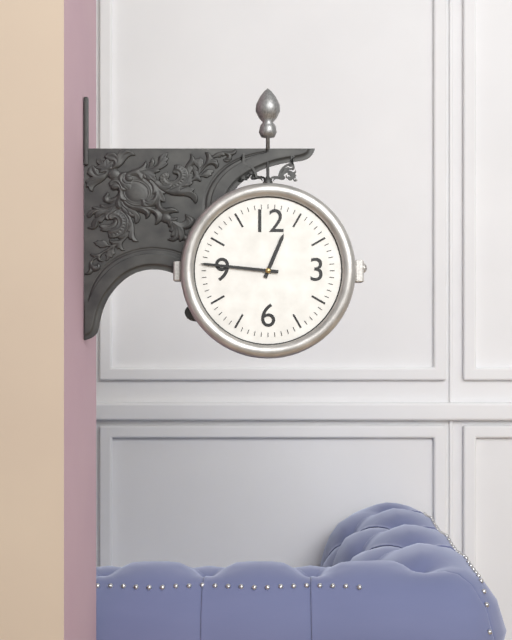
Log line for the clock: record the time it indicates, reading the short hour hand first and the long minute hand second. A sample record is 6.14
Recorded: 12.46
